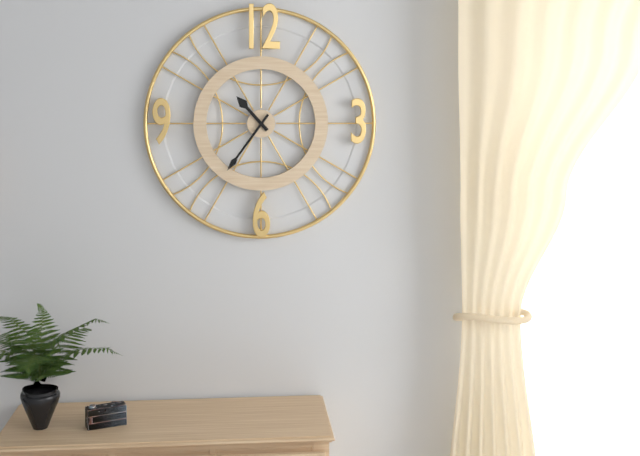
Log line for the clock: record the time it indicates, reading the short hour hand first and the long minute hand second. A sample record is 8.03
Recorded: 10.36
